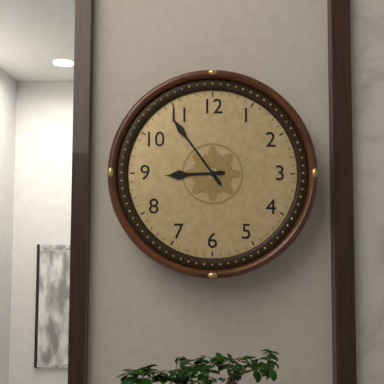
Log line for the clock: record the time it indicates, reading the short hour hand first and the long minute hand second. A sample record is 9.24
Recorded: 8.54
